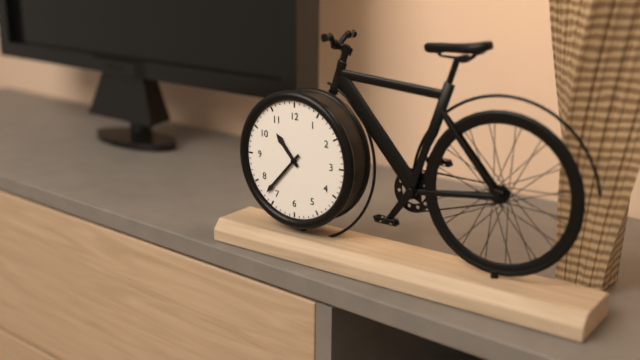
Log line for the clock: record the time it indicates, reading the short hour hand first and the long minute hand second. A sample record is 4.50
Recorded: 10.37
